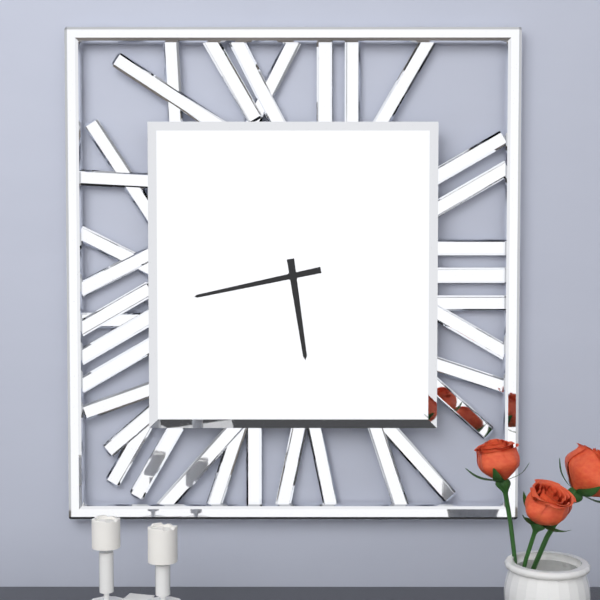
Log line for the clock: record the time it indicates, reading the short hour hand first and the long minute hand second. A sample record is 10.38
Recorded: 5.43
